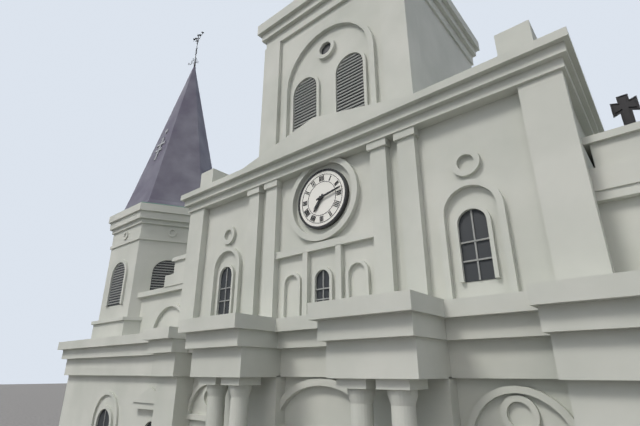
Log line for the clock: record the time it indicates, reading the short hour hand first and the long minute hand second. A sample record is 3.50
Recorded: 7.13
